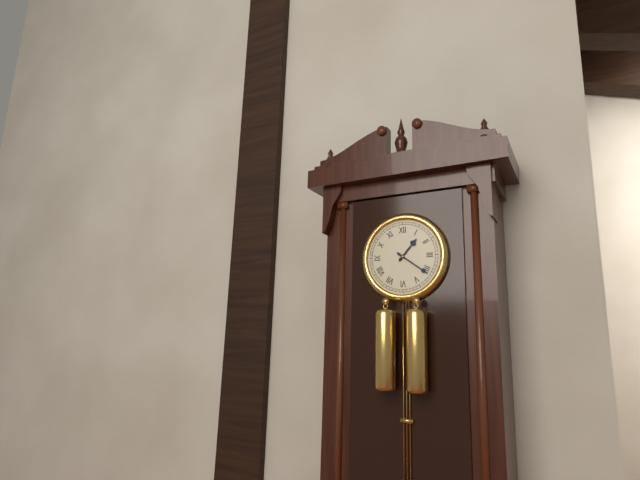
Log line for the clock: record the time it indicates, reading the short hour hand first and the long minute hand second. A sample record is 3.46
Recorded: 1.21
